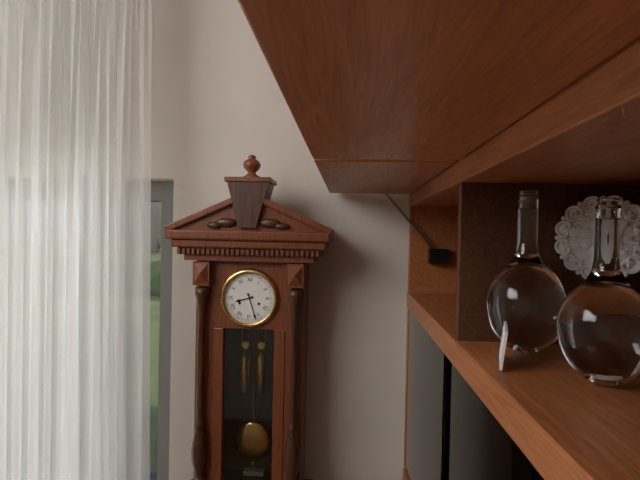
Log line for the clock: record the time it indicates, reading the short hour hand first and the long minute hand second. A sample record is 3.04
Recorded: 8.27
